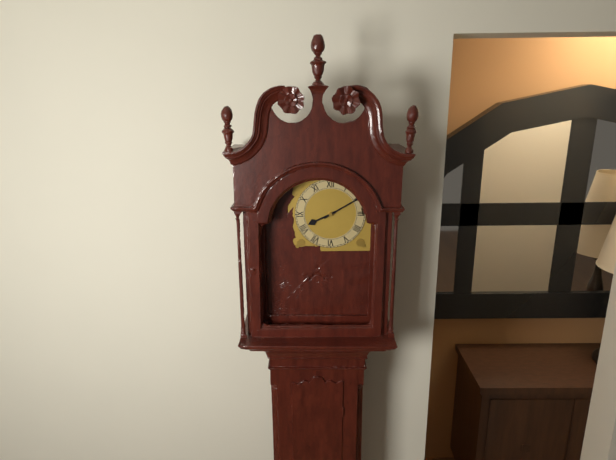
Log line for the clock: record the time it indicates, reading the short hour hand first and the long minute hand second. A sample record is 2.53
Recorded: 8.10
